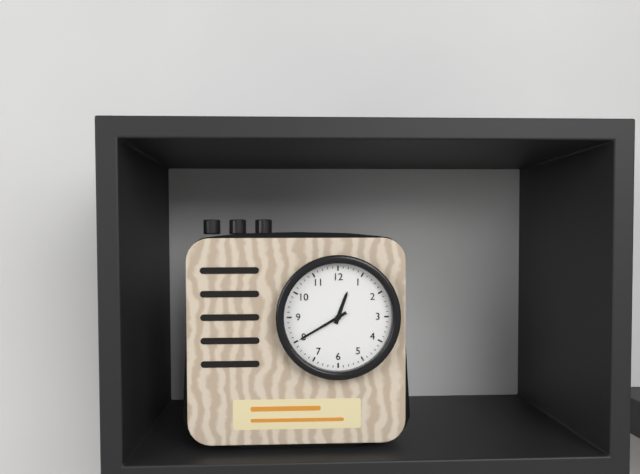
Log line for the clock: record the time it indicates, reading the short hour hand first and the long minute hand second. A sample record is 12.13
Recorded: 12.40
